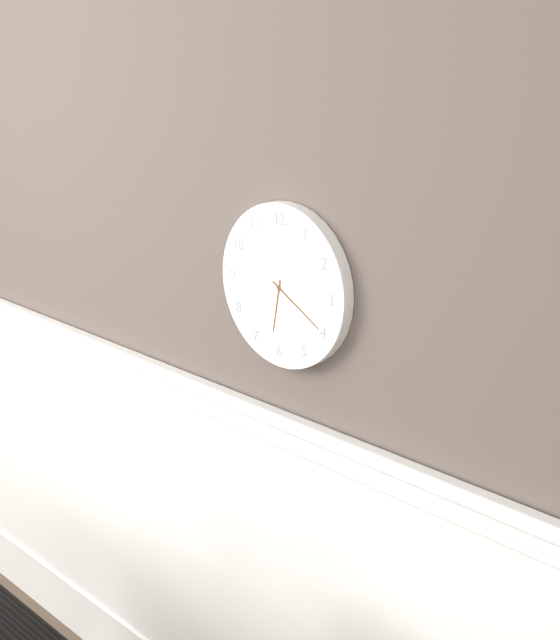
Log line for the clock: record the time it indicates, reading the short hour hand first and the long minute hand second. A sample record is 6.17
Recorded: 6.20
